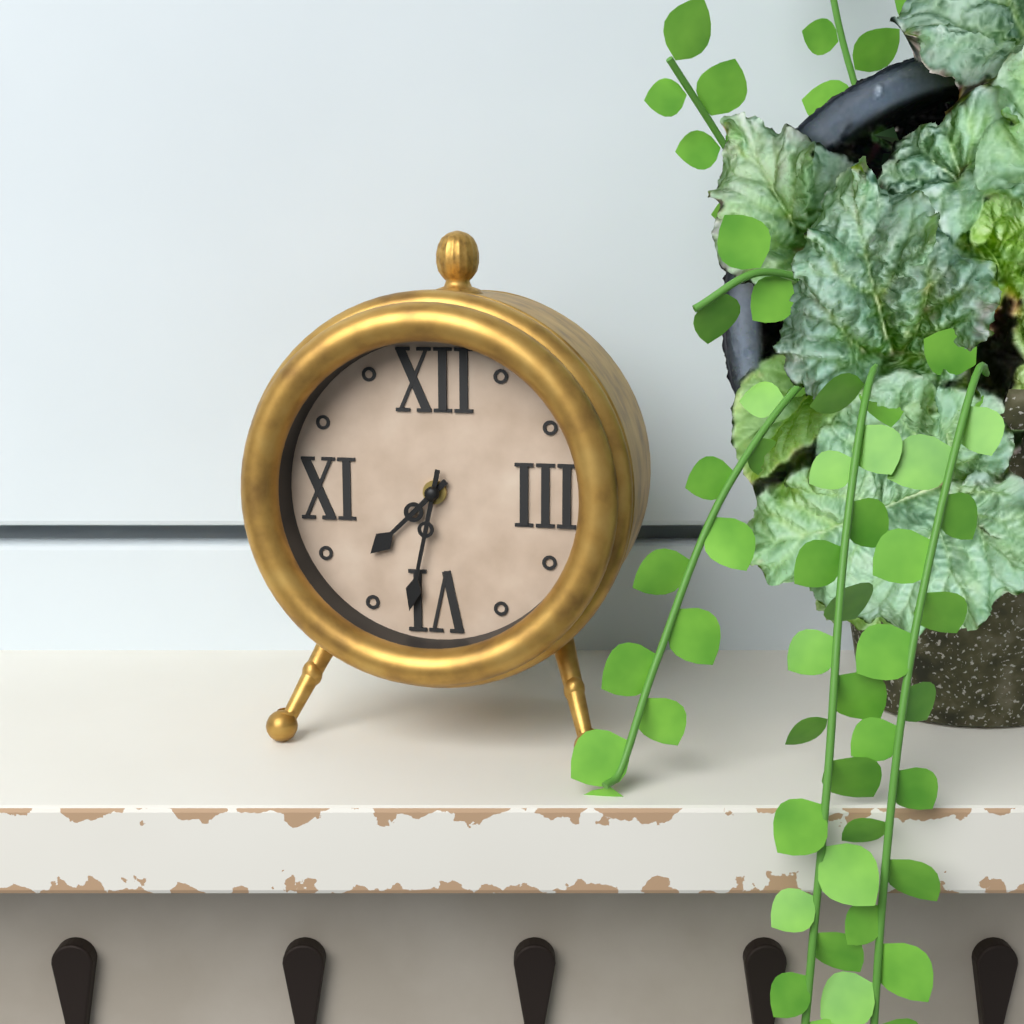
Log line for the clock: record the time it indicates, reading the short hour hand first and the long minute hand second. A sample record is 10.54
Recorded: 7.32
